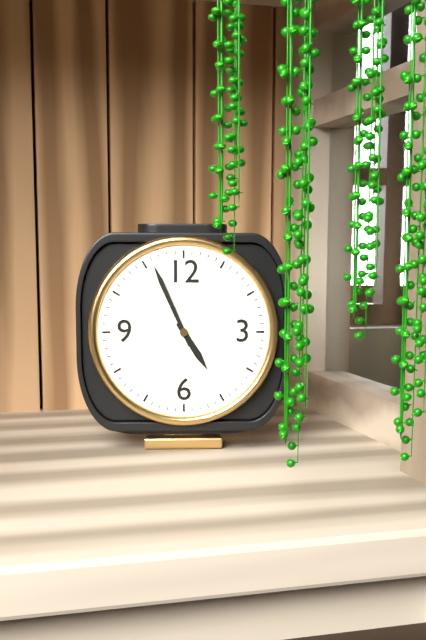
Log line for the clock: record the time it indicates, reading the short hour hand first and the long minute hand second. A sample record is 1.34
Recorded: 4.56
